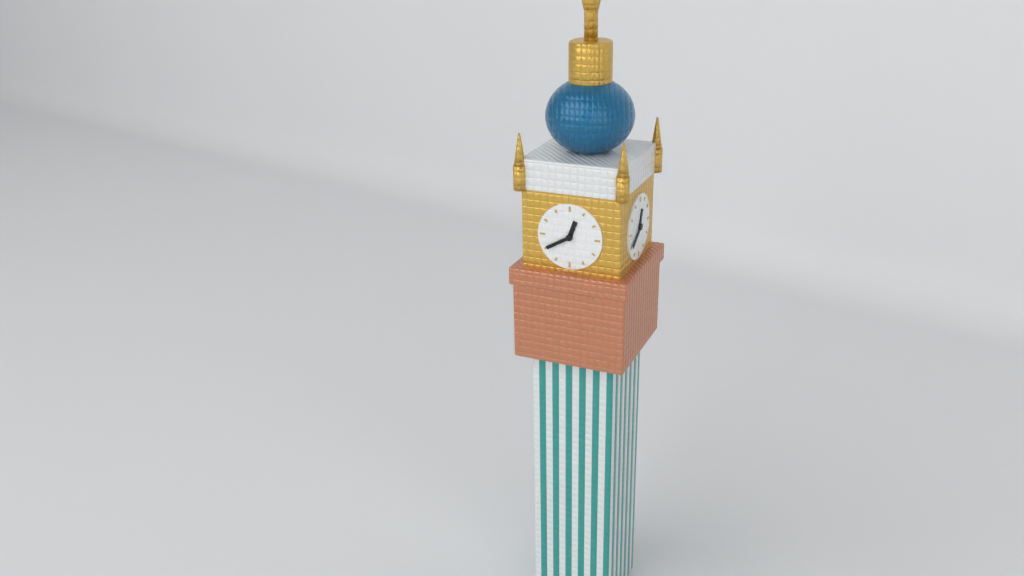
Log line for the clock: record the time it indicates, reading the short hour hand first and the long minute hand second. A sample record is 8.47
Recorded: 12.40
